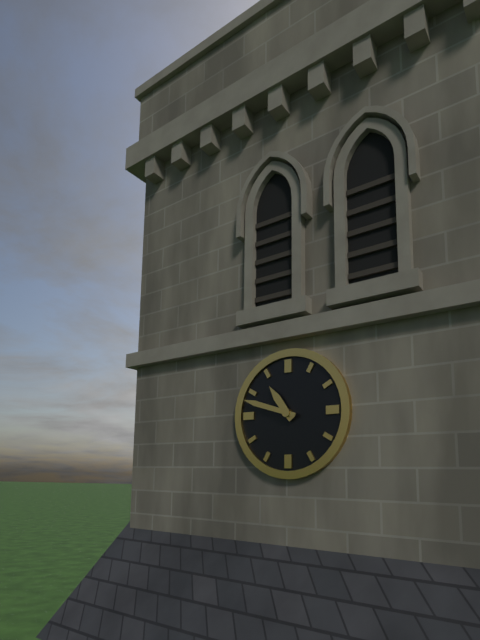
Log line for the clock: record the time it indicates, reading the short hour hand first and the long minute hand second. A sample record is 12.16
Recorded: 10.48
